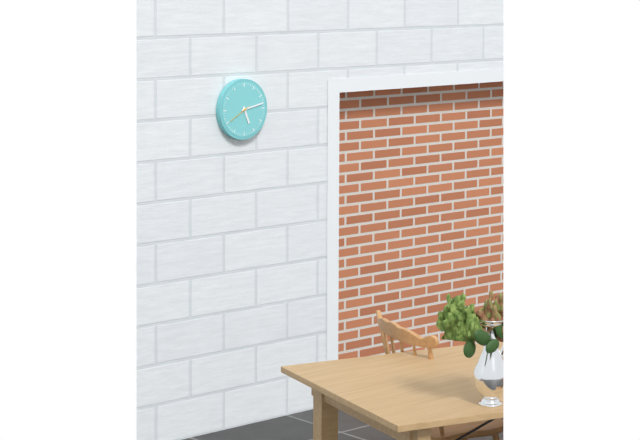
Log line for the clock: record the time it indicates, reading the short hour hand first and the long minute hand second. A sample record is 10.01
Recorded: 5.13
